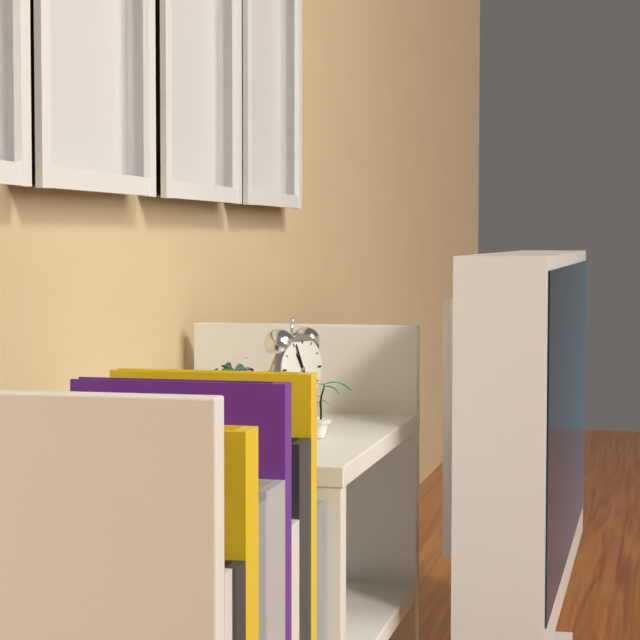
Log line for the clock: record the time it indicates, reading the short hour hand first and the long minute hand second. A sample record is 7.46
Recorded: 10.56
